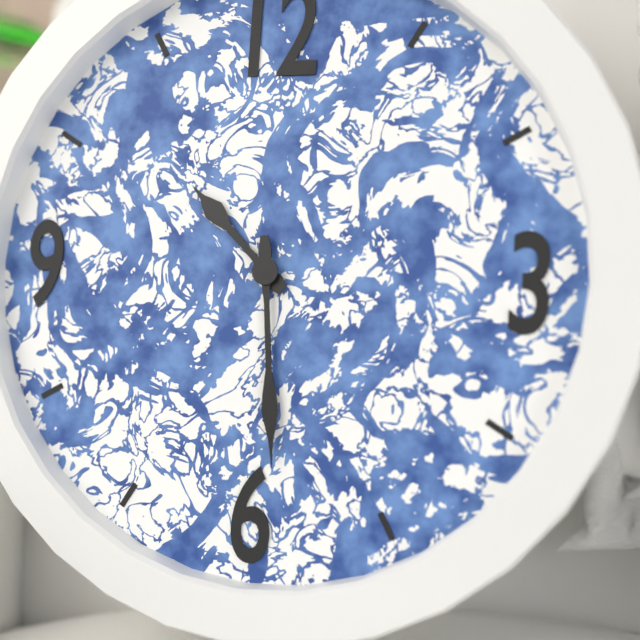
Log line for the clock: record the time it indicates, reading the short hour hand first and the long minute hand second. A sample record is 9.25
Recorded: 10.29
